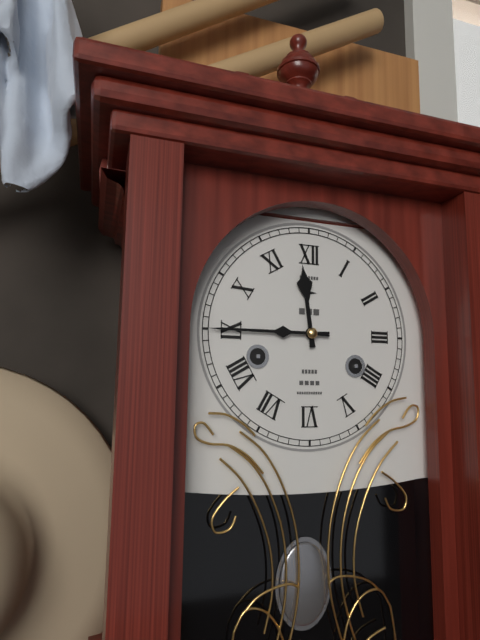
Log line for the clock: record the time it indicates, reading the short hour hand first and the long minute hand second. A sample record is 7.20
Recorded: 11.45
